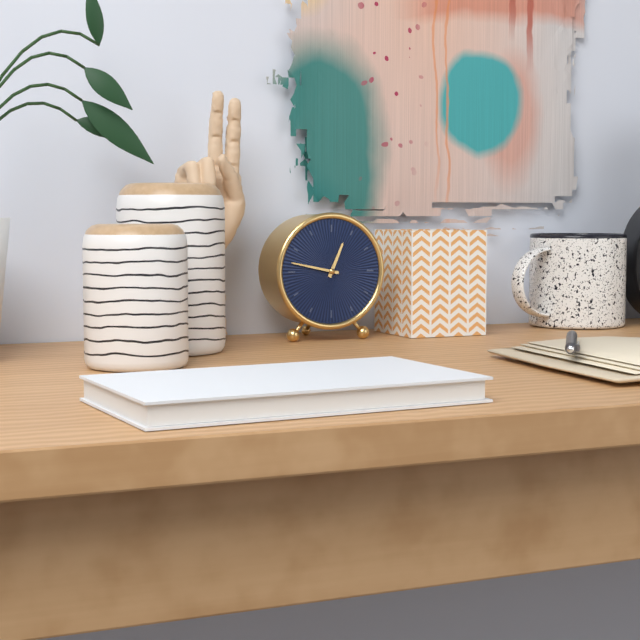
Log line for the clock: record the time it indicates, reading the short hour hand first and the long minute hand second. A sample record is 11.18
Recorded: 12.47
